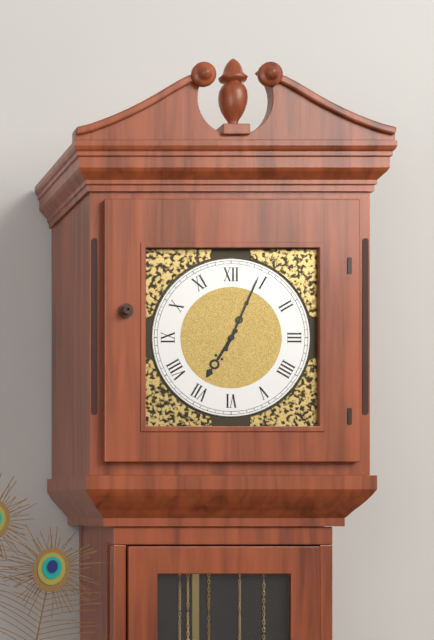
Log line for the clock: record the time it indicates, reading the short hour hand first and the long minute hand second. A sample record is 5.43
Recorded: 7.04
